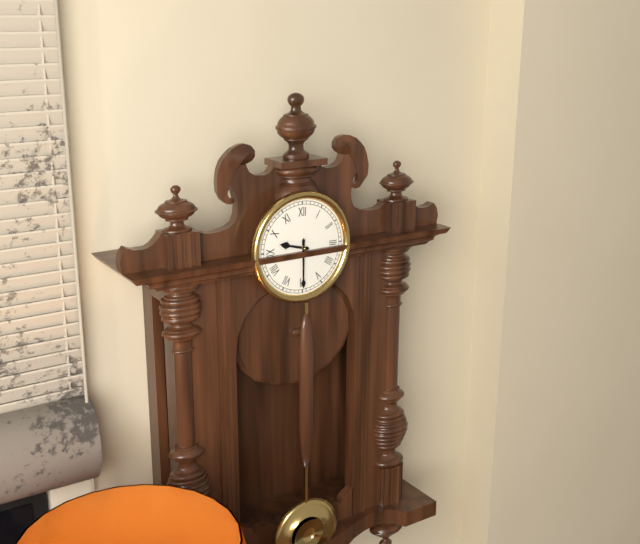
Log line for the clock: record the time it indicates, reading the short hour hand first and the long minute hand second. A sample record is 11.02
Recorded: 9.30
